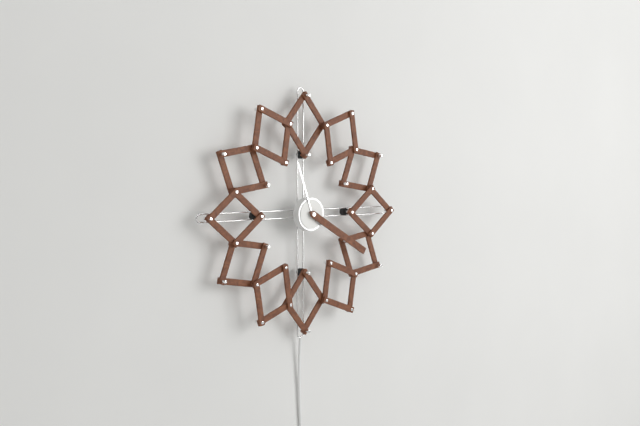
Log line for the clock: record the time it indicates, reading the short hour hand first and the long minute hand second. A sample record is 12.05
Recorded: 11.20
